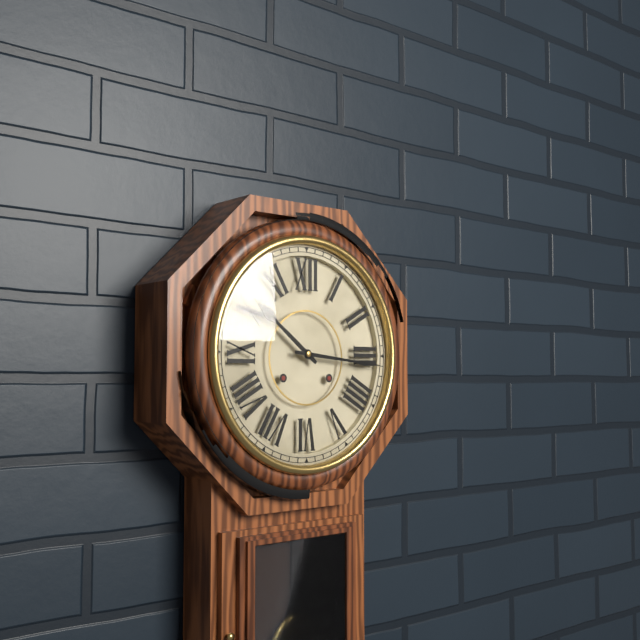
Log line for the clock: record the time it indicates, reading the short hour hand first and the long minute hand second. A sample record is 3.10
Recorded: 10.16
